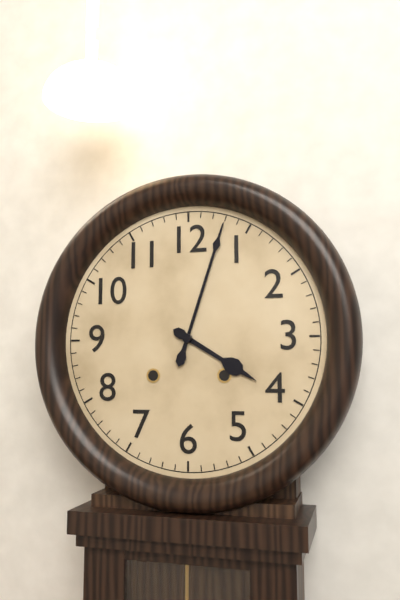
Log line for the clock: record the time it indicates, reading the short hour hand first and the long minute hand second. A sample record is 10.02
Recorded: 4.03
